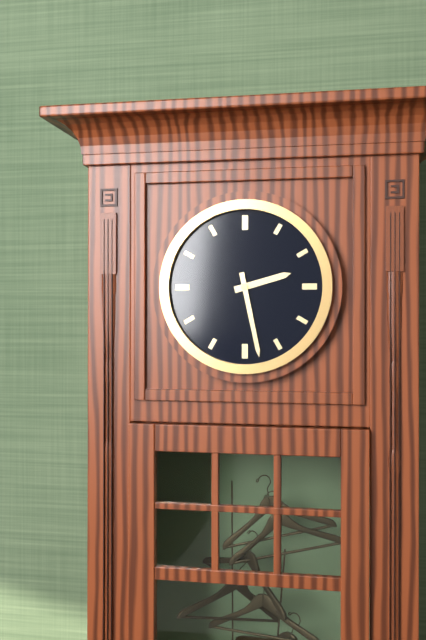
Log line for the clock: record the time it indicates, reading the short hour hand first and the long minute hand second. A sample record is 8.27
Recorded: 2.28
